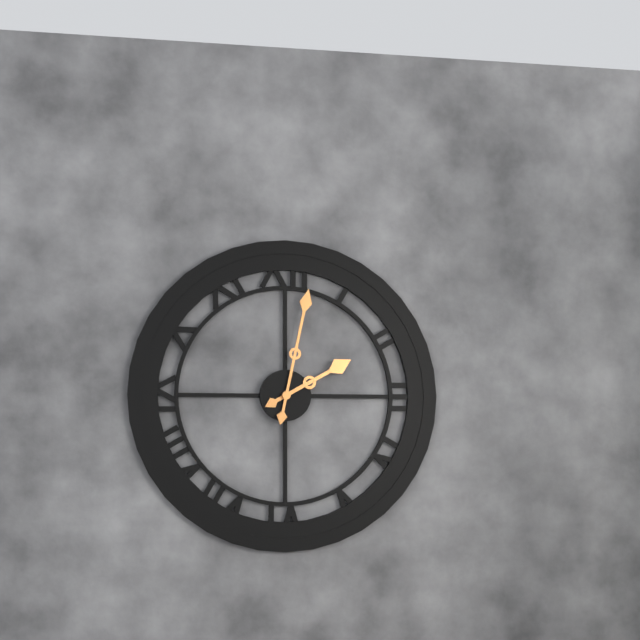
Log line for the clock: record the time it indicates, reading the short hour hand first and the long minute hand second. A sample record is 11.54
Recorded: 2.02
